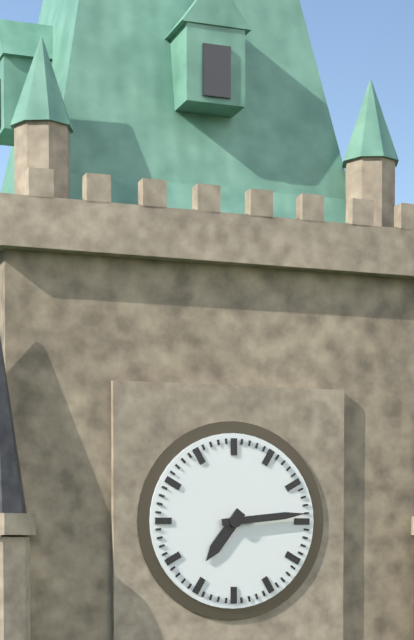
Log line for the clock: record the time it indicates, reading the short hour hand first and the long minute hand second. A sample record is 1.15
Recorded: 7.14
